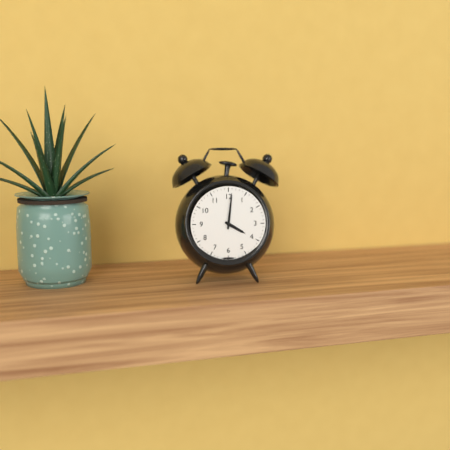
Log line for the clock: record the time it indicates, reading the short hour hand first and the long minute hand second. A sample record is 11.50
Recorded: 4.01
